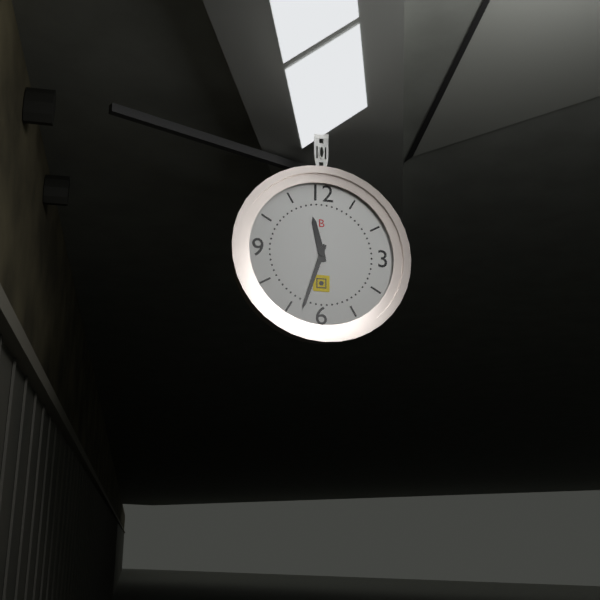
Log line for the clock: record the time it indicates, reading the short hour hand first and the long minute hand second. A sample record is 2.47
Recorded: 11.33
